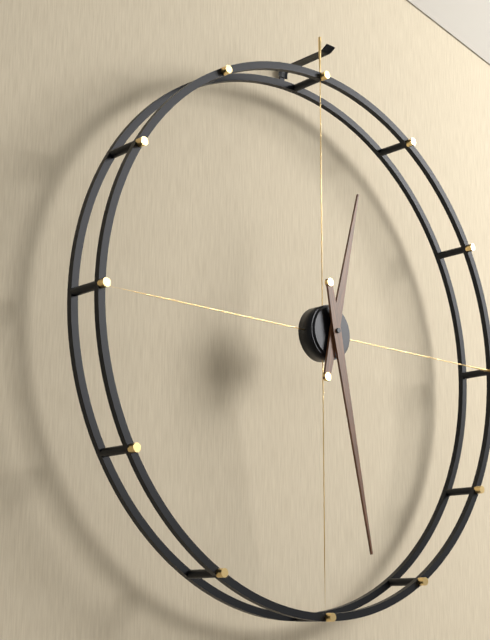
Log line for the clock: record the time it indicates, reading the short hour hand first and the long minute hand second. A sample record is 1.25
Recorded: 12.28
